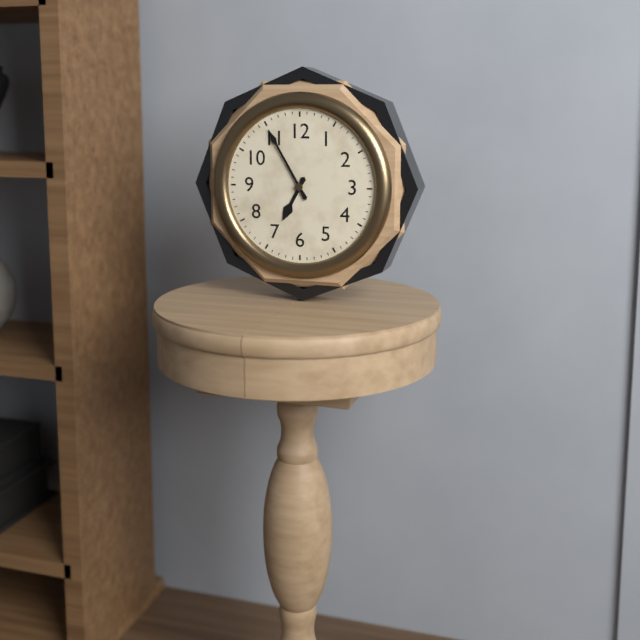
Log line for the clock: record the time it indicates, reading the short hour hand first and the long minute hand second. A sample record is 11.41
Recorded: 6.55
